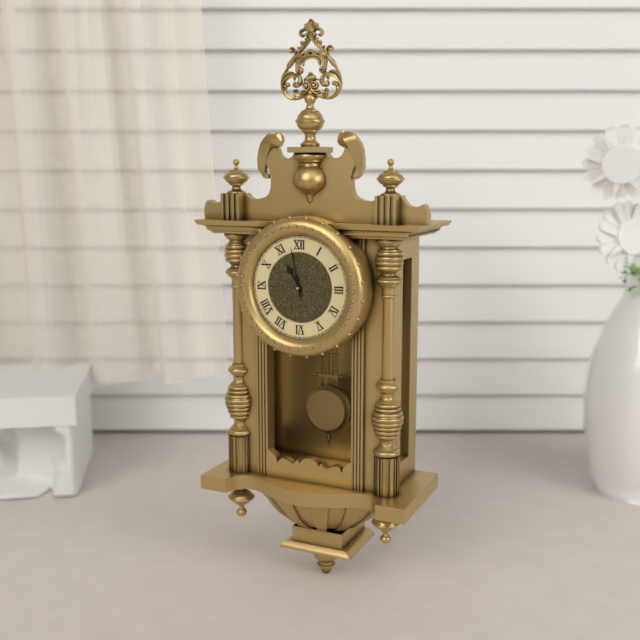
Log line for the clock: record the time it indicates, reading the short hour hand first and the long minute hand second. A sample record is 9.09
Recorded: 10.58
